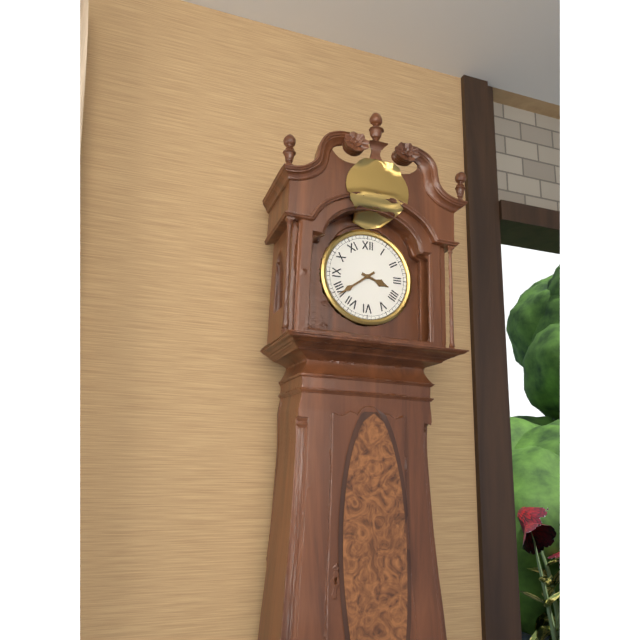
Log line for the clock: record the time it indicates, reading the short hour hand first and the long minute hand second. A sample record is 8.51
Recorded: 3.39
